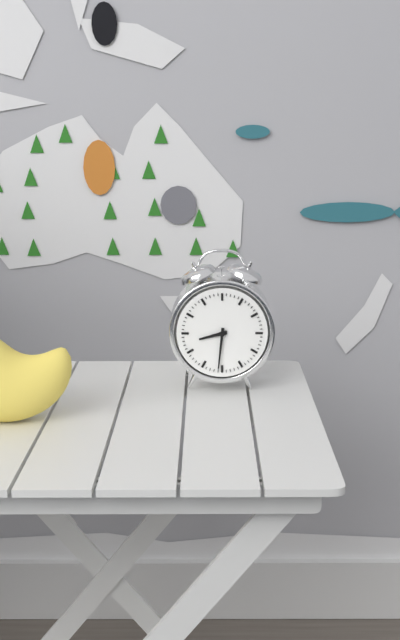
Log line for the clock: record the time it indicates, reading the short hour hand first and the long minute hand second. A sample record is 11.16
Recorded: 8.31
